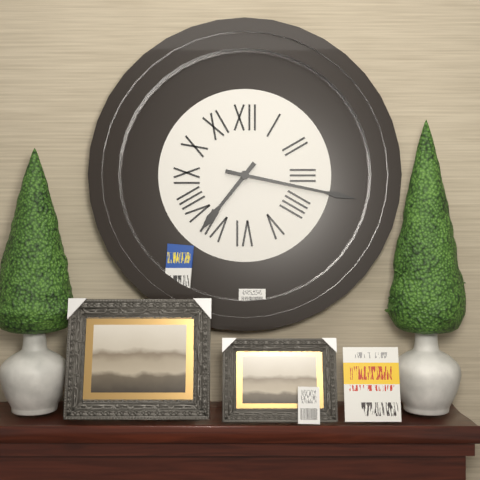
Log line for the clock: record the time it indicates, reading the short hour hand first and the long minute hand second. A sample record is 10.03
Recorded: 7.17
